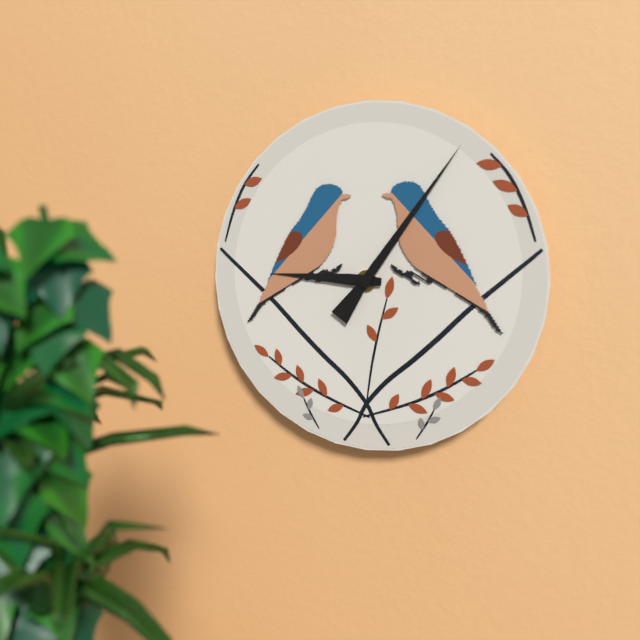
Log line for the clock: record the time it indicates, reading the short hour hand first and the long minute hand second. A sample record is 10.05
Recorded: 9.06
